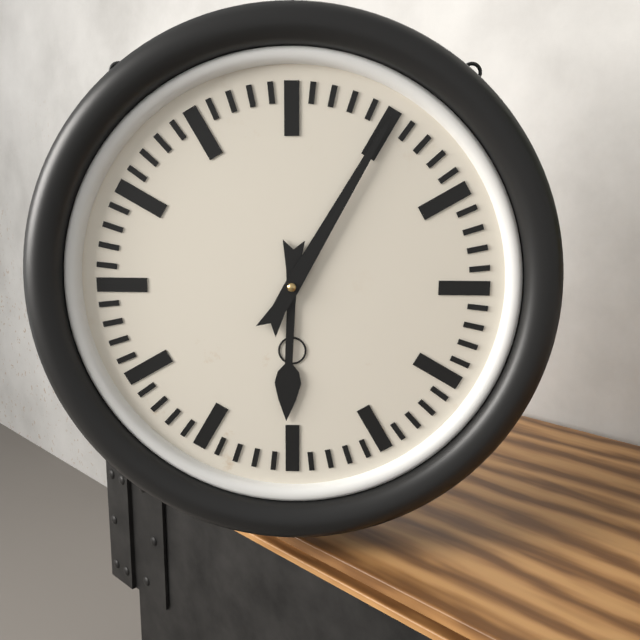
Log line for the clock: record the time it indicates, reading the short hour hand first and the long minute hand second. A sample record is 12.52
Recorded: 6.05
